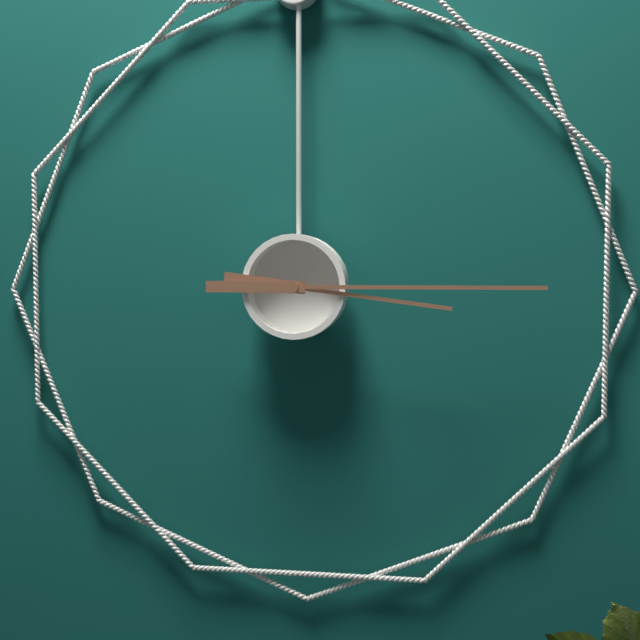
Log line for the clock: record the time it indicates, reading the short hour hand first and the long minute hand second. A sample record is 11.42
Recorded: 3.15
